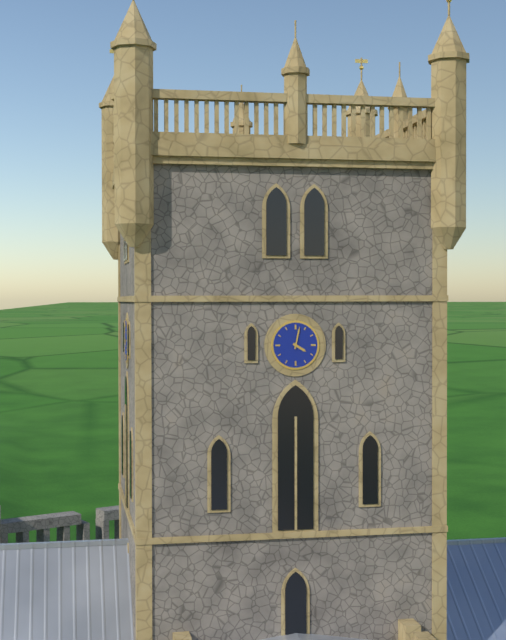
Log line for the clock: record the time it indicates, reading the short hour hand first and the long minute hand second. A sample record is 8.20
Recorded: 4.02
